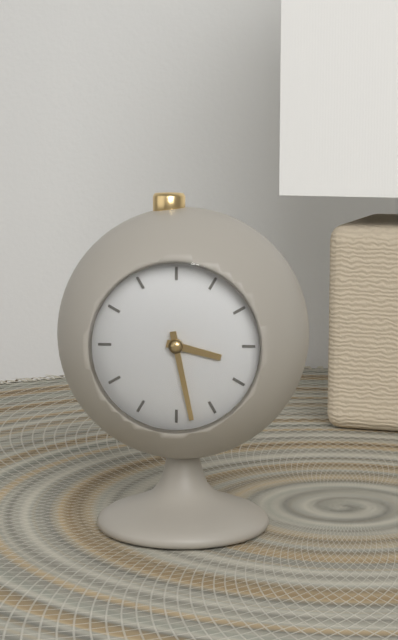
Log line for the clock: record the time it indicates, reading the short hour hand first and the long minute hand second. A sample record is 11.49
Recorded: 3.28
